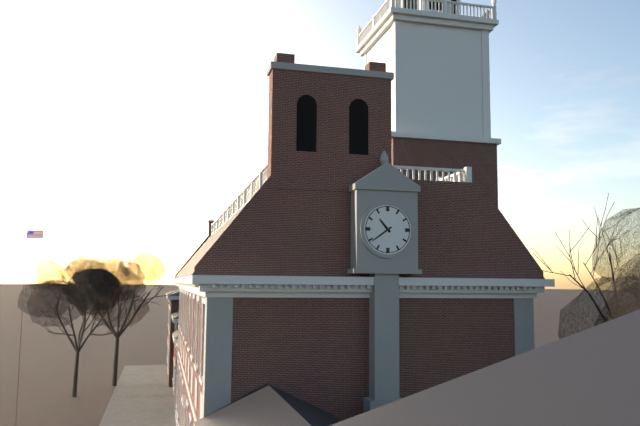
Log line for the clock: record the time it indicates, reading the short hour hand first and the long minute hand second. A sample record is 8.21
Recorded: 10.39
